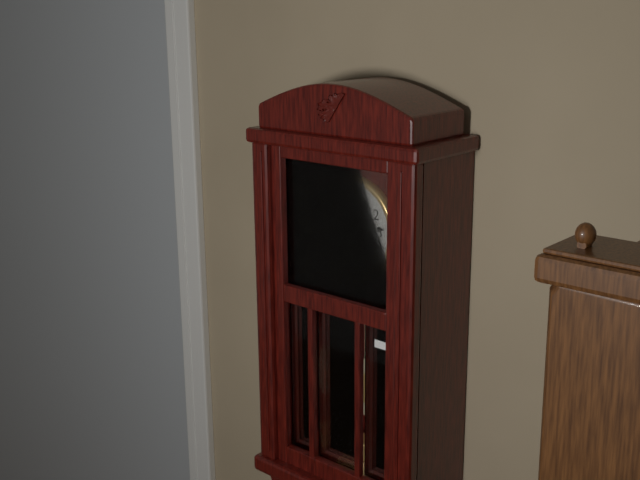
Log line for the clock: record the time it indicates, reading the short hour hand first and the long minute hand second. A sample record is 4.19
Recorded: 4.14
